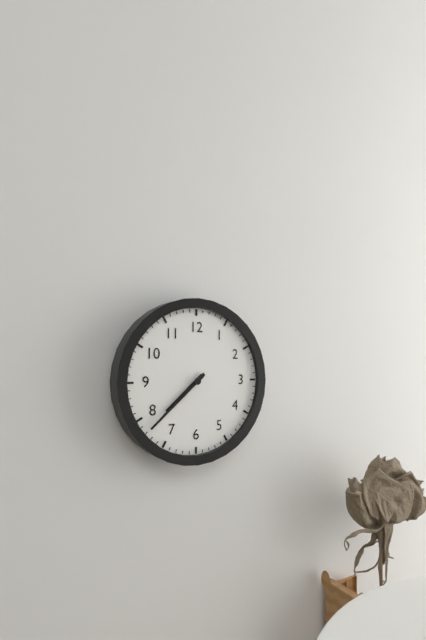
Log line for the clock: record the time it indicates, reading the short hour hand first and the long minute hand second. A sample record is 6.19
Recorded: 7.38
